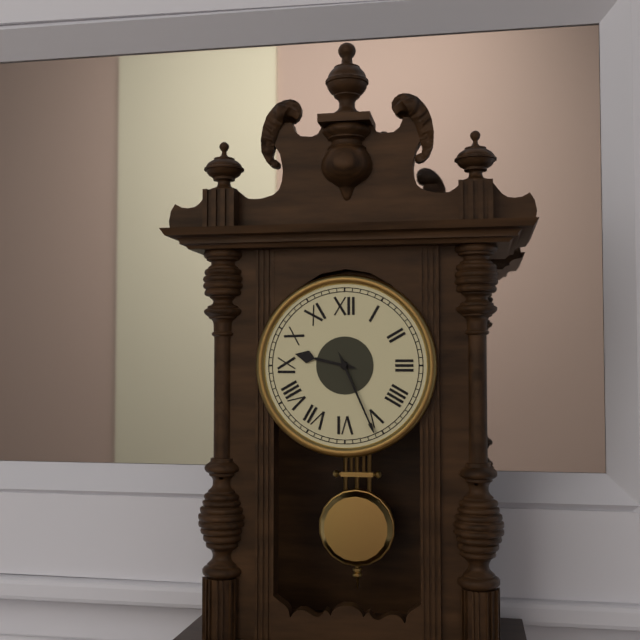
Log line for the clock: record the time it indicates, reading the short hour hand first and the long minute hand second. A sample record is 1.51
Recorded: 9.26
